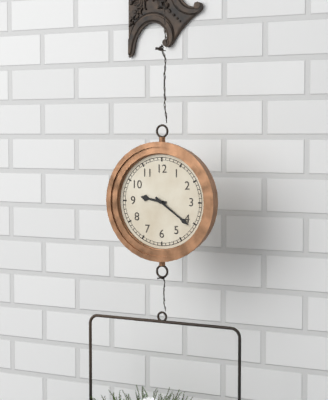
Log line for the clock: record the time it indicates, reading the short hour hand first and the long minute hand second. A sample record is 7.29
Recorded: 9.21
